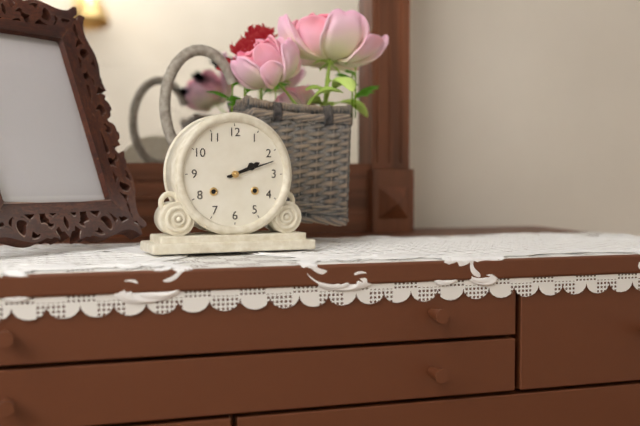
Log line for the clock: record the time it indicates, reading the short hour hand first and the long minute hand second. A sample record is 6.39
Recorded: 2.12
